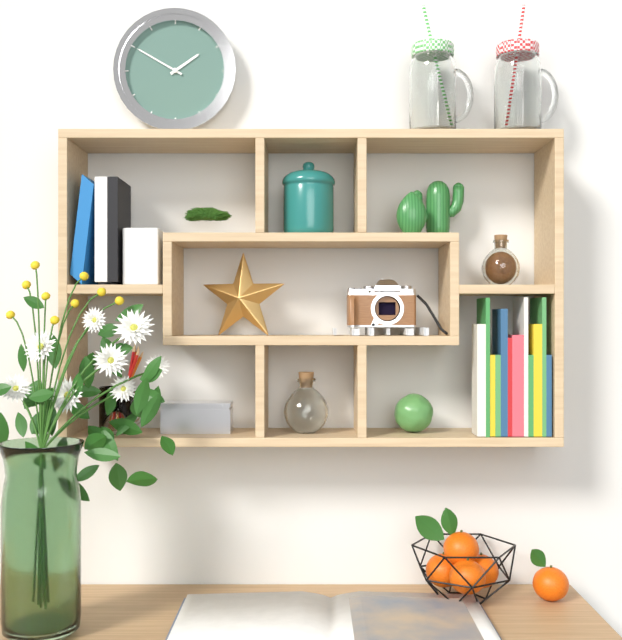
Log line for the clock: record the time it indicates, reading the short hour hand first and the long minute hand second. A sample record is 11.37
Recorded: 1.50
